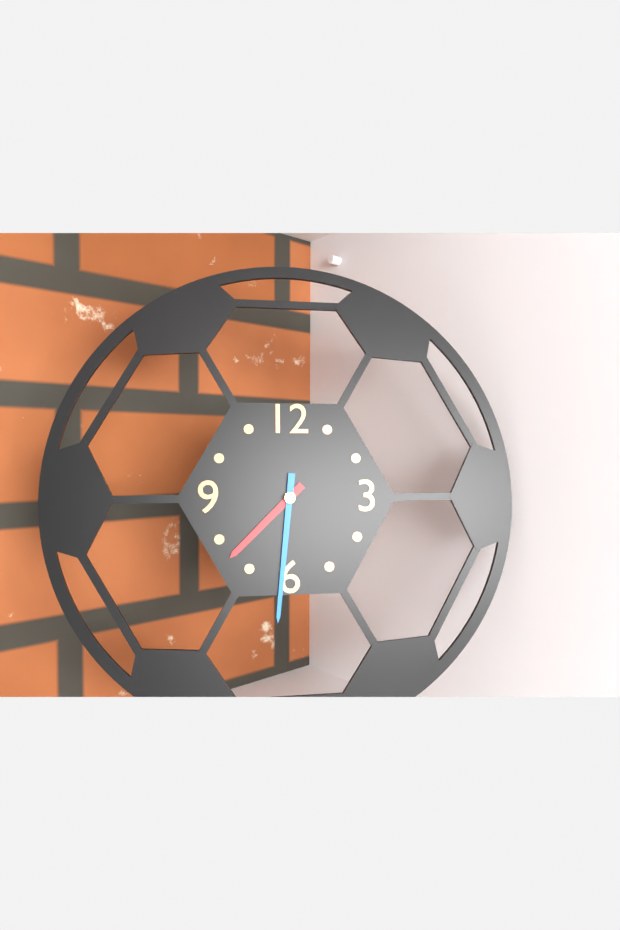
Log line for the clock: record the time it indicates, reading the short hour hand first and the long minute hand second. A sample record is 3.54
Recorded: 7.31
